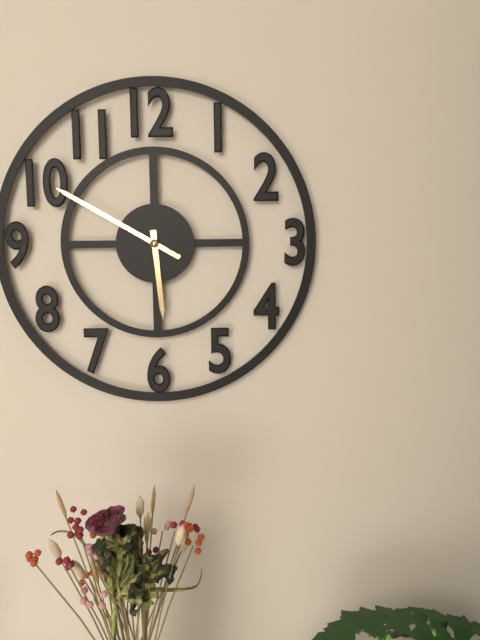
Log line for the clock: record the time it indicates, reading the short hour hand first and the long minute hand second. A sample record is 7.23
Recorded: 5.50
